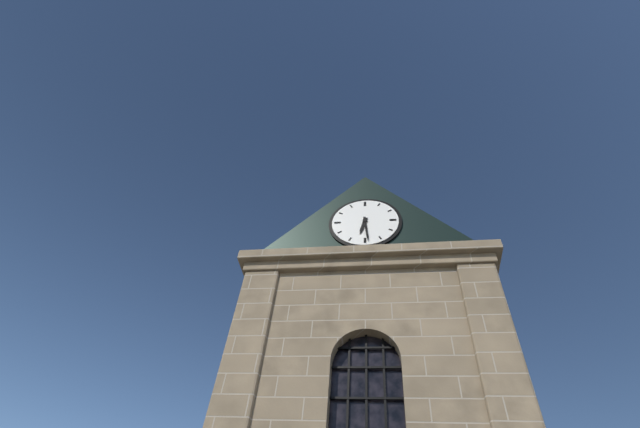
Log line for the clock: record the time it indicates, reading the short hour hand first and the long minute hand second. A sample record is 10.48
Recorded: 6.29
